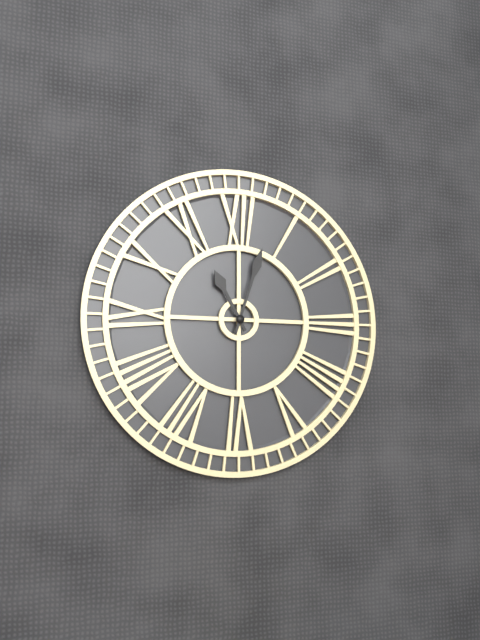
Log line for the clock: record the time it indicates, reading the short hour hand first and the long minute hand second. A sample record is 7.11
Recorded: 11.03
